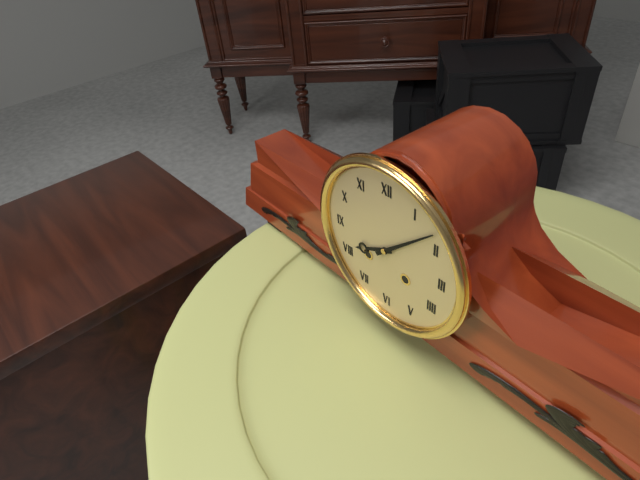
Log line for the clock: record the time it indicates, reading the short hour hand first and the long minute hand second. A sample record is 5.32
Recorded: 8.08
